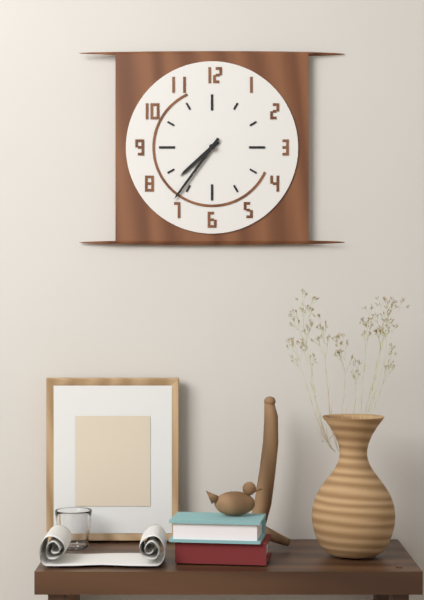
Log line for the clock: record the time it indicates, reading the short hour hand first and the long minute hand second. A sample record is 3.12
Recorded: 7.36
